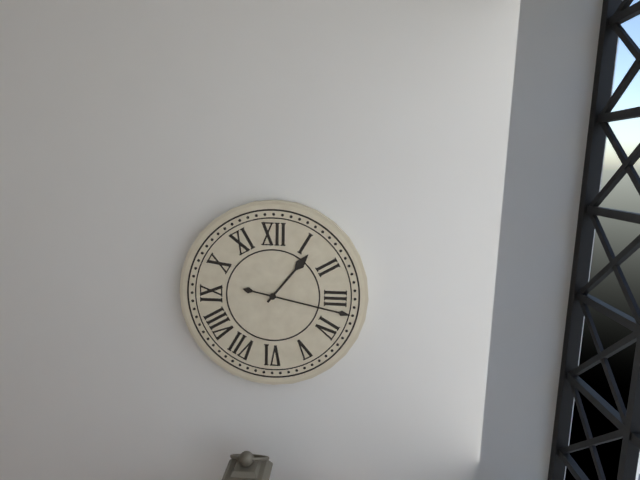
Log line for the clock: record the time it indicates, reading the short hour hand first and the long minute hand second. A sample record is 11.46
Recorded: 1.17
